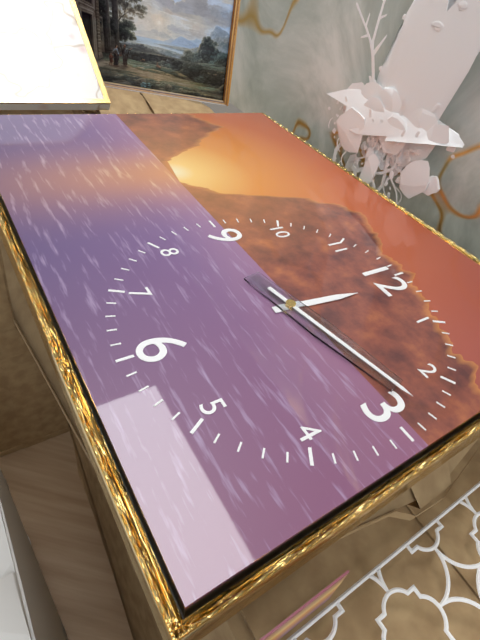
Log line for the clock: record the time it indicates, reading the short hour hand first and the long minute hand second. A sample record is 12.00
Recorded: 12.13
